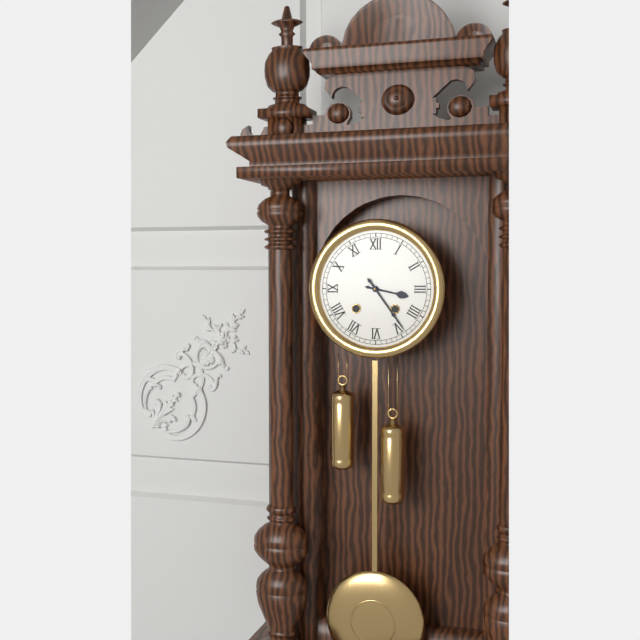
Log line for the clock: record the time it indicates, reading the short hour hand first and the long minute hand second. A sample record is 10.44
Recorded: 3.24
